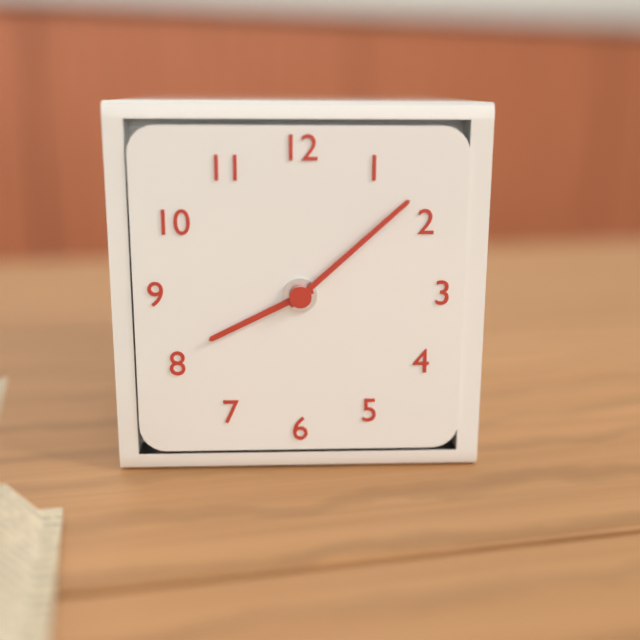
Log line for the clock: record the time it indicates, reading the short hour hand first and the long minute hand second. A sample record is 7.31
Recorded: 8.08
